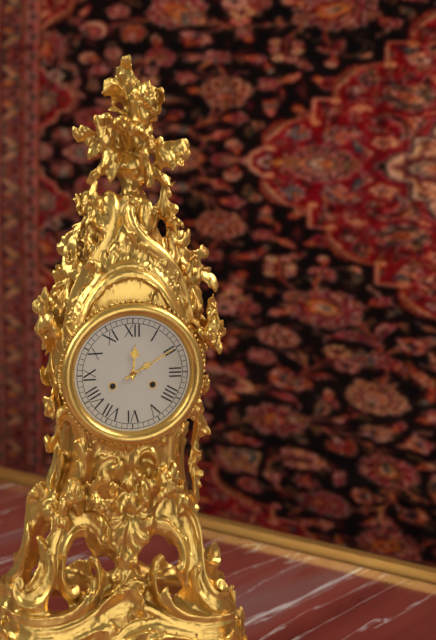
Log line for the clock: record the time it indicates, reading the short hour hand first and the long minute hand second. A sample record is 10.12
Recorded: 12.10
